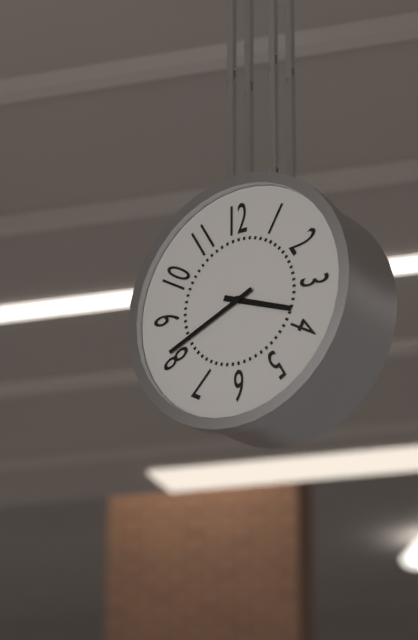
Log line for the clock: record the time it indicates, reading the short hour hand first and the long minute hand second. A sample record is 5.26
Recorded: 3.41
